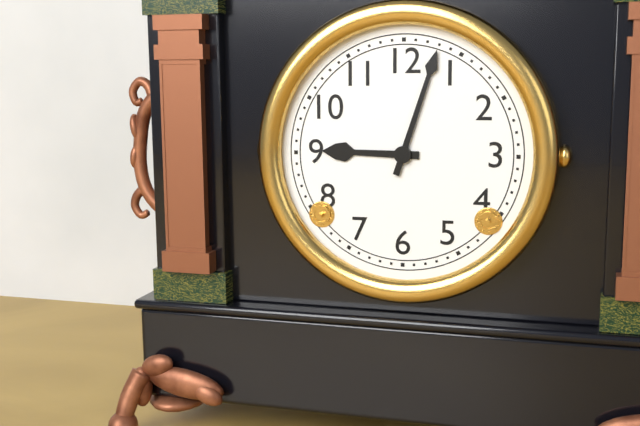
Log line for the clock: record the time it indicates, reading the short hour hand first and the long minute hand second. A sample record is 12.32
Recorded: 9.03
